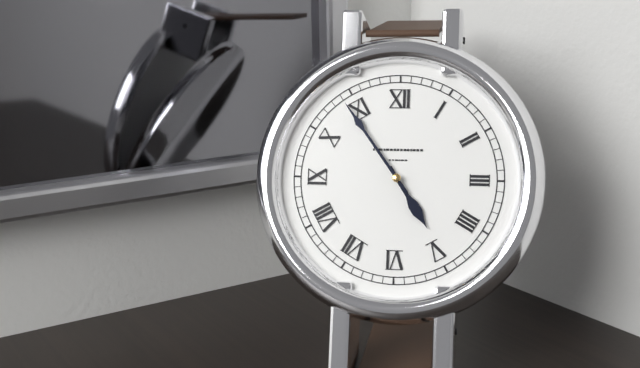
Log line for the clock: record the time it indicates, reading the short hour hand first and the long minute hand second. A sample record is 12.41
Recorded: 4.54
